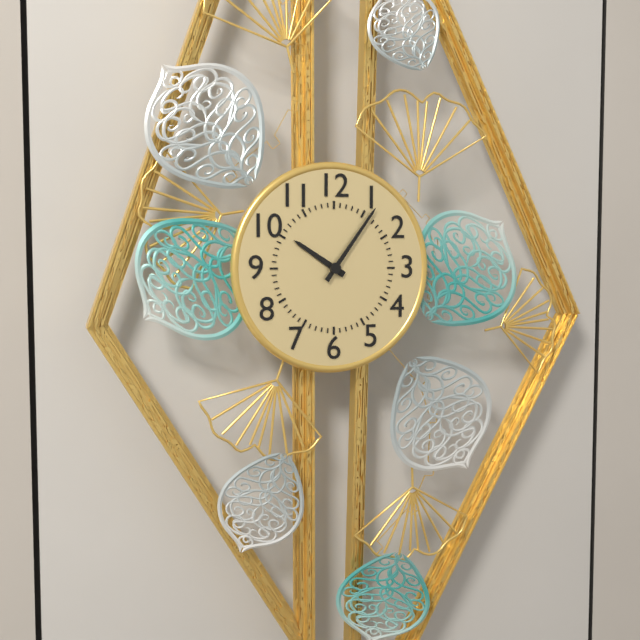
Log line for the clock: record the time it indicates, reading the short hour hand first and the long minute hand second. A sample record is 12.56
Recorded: 10.06
